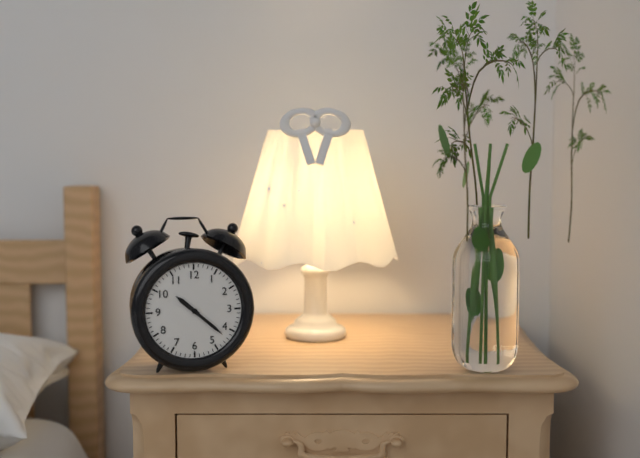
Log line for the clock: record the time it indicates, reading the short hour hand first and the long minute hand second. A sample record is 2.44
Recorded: 10.22
